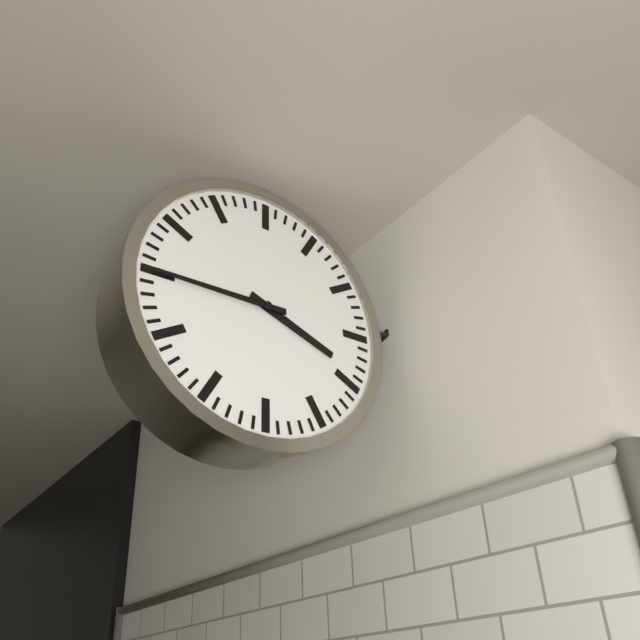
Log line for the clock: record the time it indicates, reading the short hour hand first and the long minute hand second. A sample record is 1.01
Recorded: 3.45
